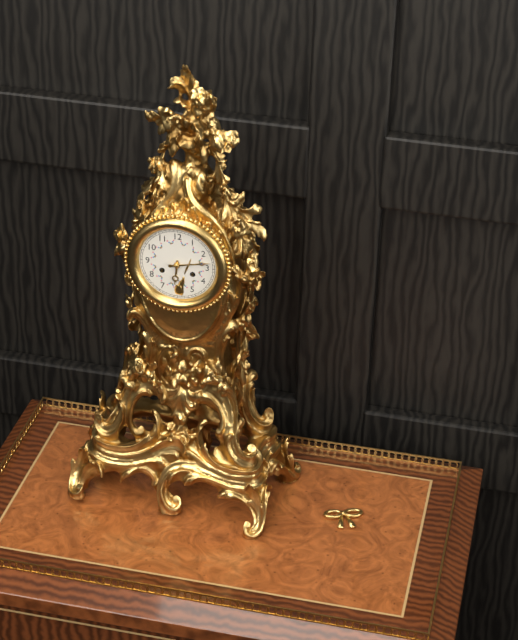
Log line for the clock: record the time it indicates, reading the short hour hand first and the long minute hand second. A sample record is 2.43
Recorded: 6.13
